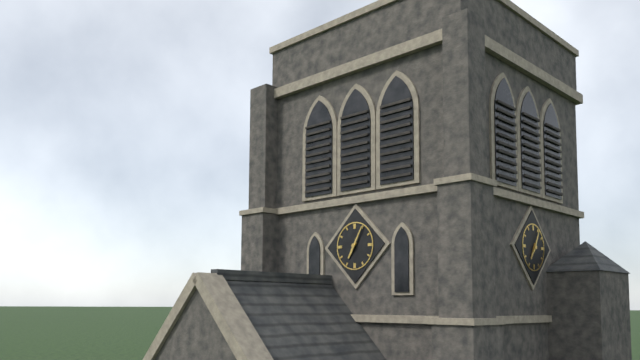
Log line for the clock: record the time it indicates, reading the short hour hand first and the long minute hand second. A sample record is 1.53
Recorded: 7.05
